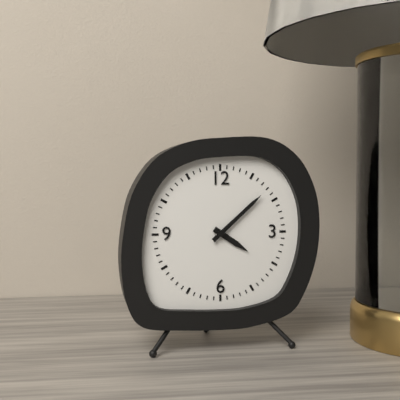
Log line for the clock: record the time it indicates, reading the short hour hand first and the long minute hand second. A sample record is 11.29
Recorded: 4.08
